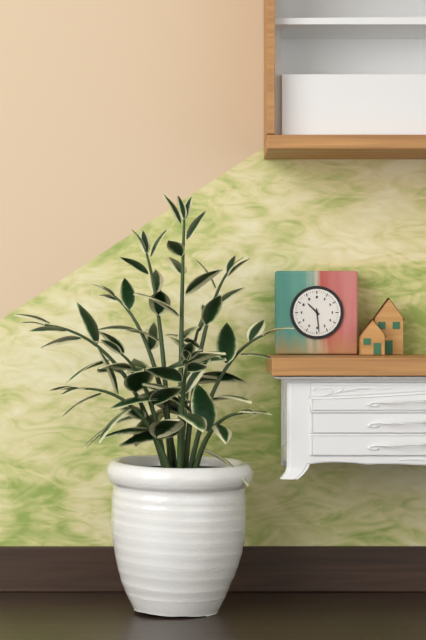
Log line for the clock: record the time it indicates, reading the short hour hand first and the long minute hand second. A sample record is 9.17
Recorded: 10.29
